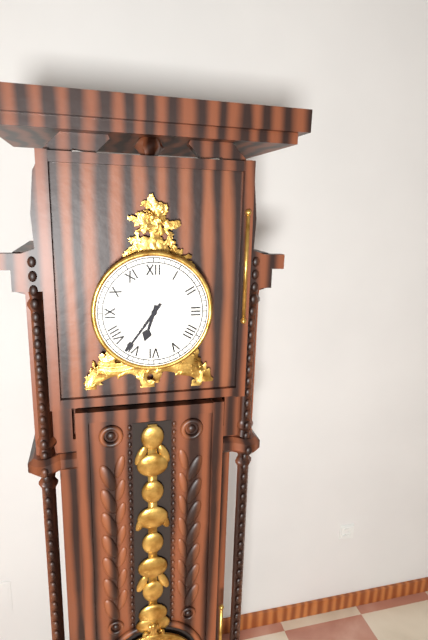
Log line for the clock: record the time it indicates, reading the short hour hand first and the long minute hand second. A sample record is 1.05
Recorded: 6.36
